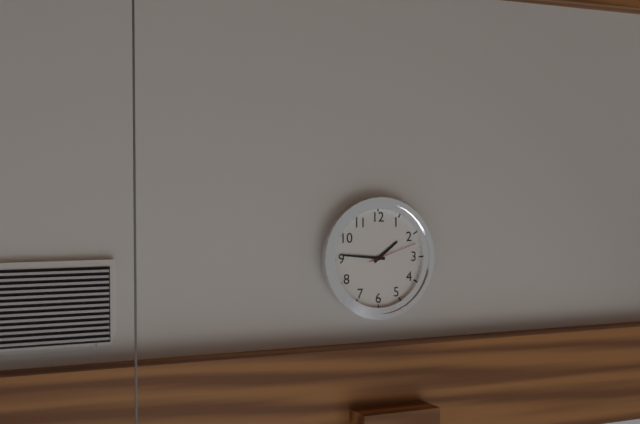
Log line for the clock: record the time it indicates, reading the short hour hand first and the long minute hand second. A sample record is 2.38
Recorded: 1.46
